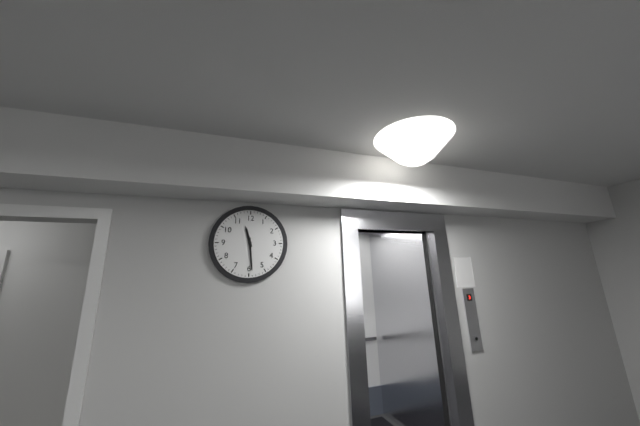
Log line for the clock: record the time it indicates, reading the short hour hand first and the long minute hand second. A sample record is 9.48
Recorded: 11.29
